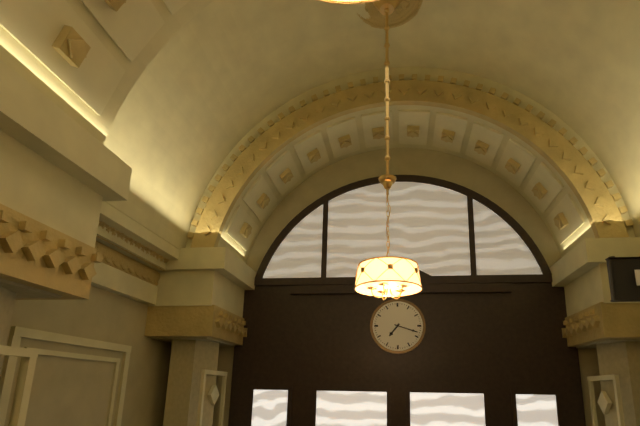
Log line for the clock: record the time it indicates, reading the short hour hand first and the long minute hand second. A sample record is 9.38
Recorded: 7.18
